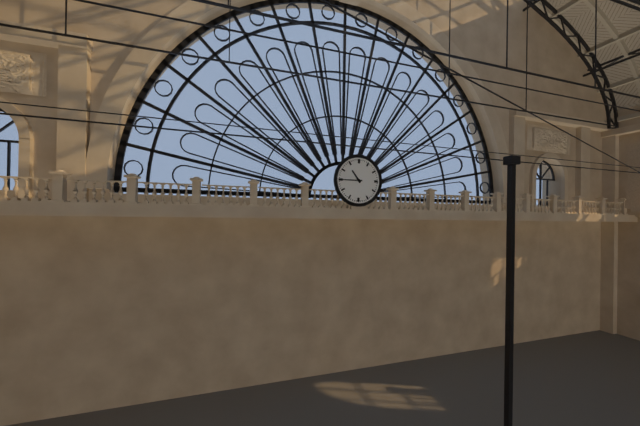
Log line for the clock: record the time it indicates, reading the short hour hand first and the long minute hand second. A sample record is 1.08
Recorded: 10.45
